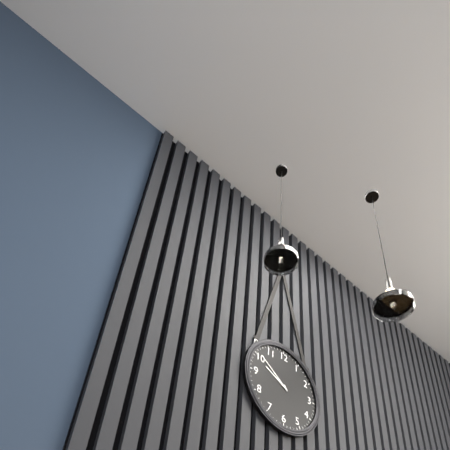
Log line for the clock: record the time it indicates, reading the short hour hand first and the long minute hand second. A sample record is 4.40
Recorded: 9.51
